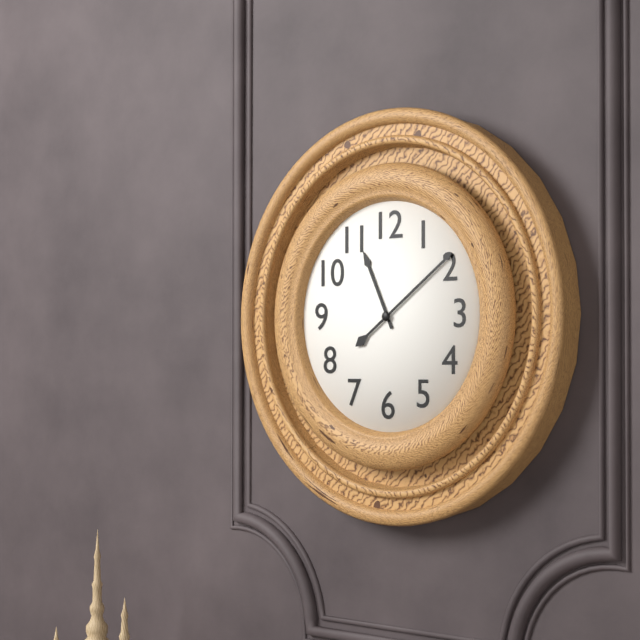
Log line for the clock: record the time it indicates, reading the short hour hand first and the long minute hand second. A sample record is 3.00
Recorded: 11.09
